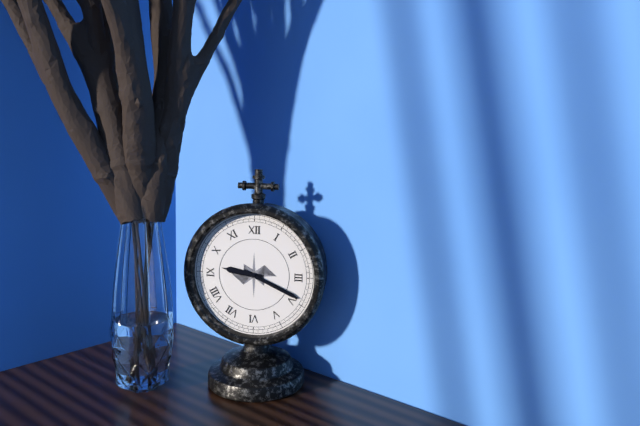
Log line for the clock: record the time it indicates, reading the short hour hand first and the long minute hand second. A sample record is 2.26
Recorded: 9.19
